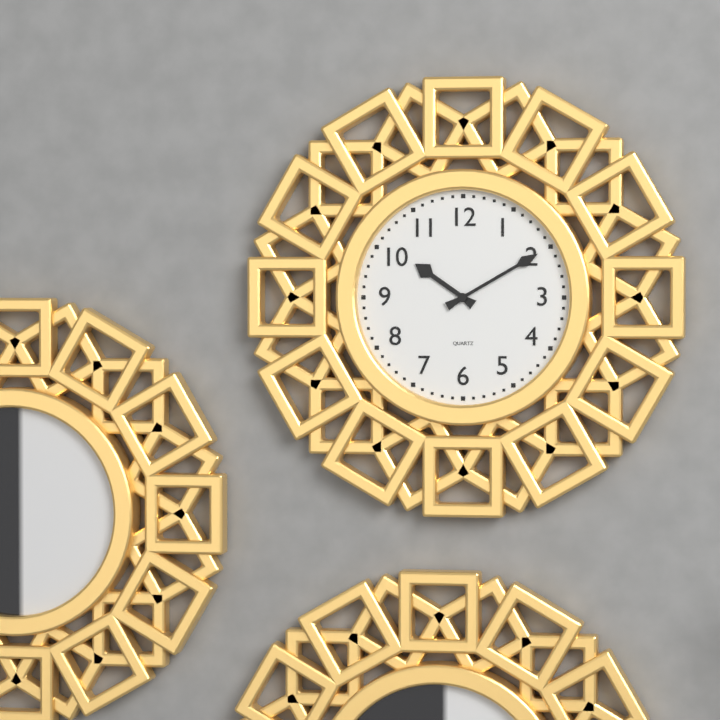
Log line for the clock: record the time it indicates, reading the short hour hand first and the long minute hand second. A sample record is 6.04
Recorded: 10.10
